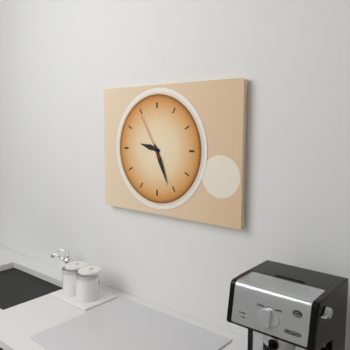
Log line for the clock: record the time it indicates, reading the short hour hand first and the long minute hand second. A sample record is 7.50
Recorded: 9.26
